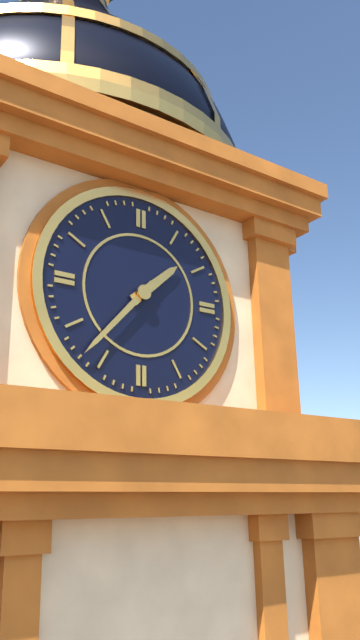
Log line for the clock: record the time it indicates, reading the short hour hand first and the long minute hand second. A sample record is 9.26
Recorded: 1.37
